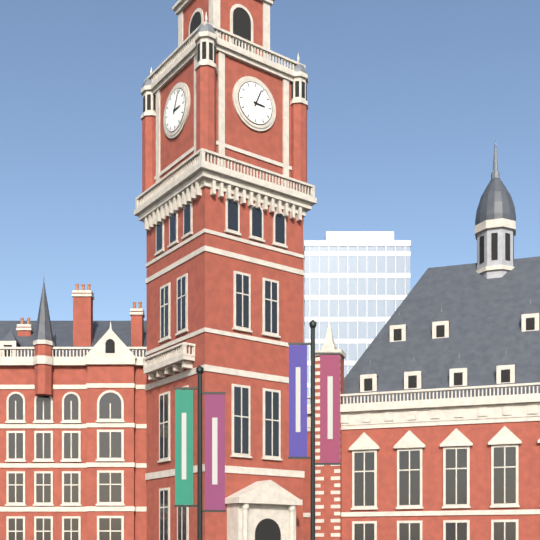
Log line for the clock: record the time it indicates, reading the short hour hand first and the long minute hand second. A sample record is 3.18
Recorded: 3.04
